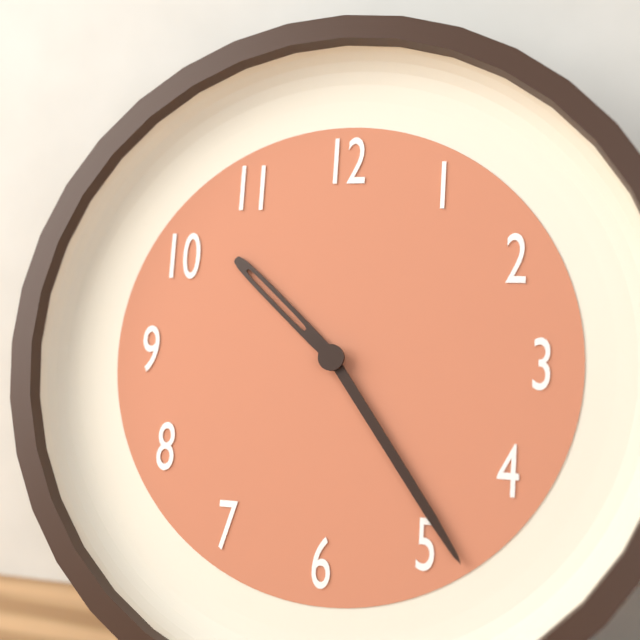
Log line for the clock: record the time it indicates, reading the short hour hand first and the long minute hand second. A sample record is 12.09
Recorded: 10.24
